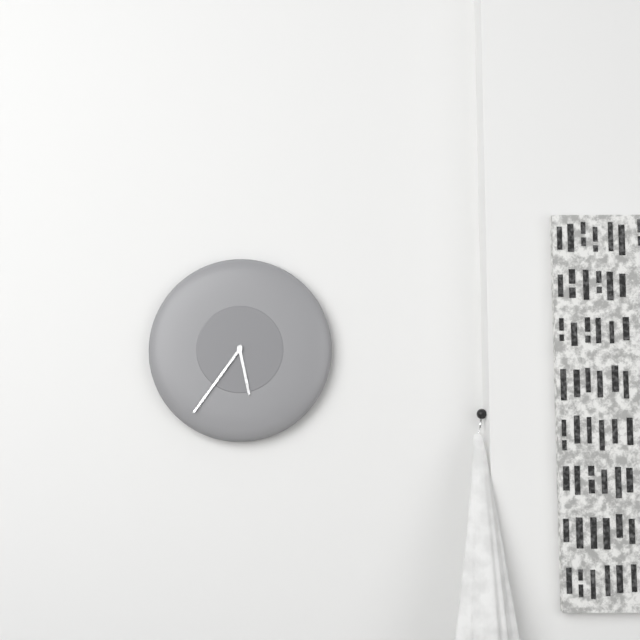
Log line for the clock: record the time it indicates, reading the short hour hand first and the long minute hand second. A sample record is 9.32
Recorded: 5.36
